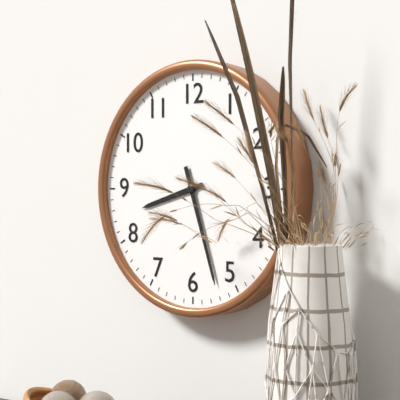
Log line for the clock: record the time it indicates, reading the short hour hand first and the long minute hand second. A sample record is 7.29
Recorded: 8.27
